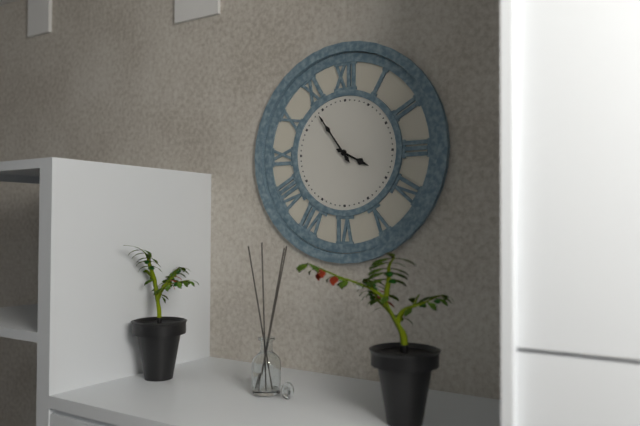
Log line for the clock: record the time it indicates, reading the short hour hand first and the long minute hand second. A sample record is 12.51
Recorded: 3.54
